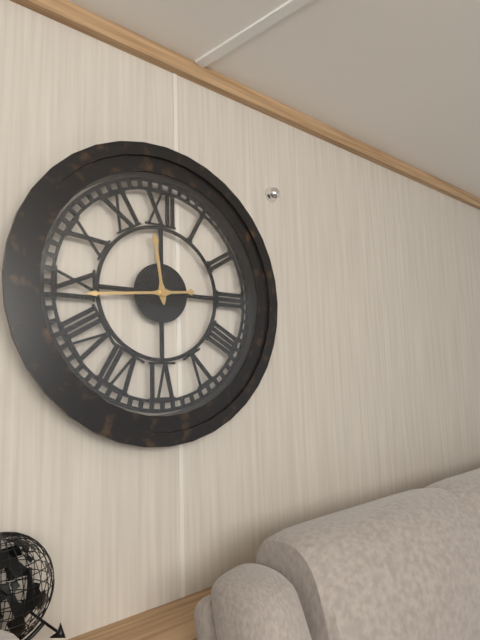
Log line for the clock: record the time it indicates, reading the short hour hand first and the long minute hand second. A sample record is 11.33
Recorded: 11.44
